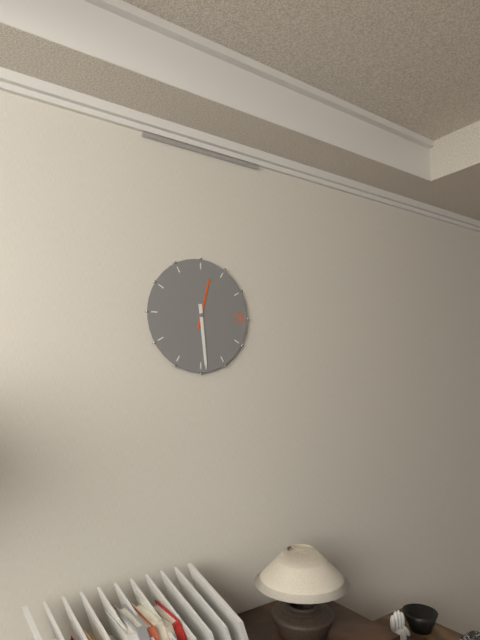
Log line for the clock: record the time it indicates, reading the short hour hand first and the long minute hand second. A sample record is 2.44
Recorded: 12.29
